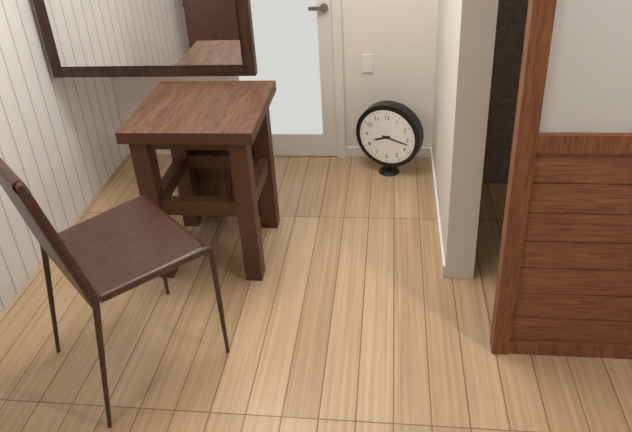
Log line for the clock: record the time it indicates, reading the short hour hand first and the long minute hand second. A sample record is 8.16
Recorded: 8.17
